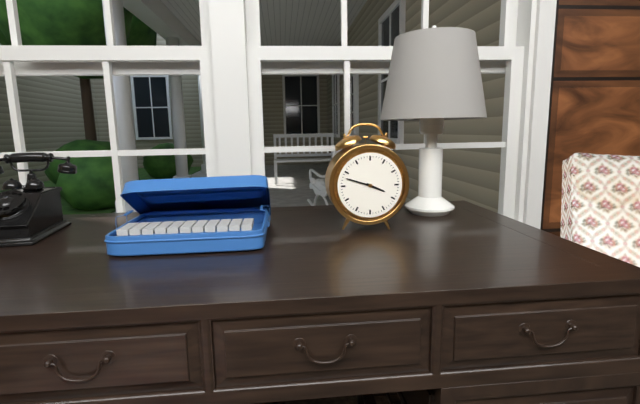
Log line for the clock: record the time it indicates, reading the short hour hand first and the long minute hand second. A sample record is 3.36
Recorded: 3.48
